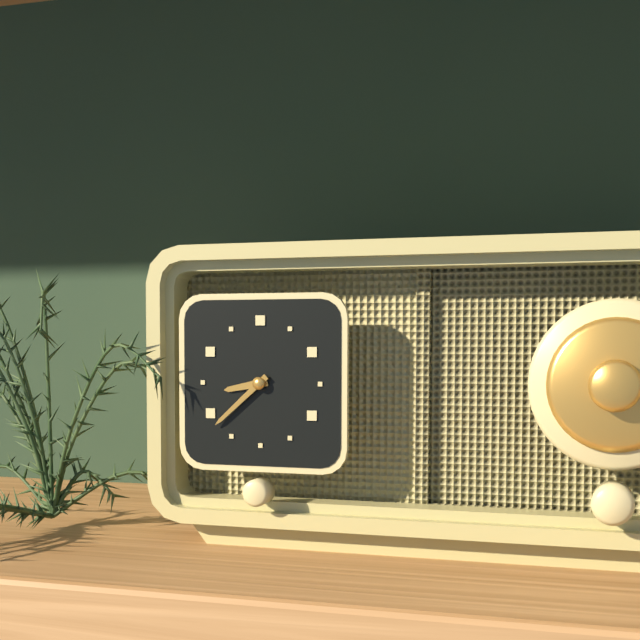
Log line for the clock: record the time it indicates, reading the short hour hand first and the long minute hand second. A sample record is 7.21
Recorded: 8.38
